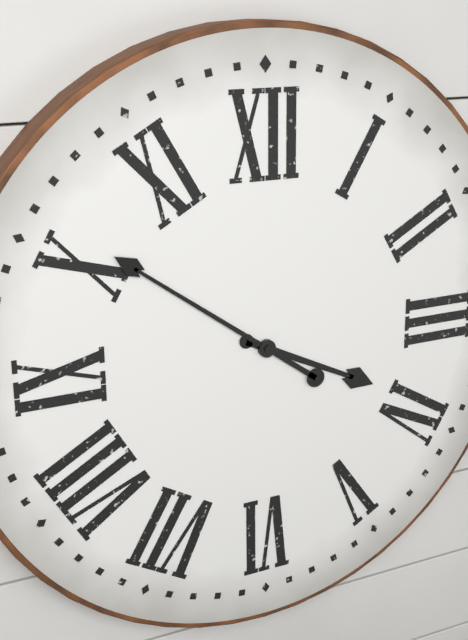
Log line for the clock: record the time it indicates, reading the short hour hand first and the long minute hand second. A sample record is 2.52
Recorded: 3.51
